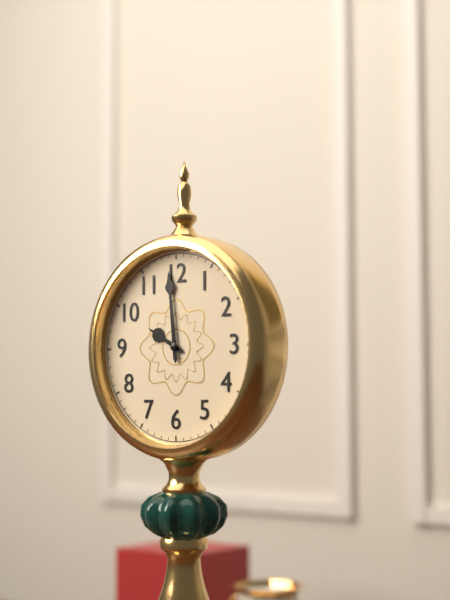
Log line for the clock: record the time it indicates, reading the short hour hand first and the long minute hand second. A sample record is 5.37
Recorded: 9.59
